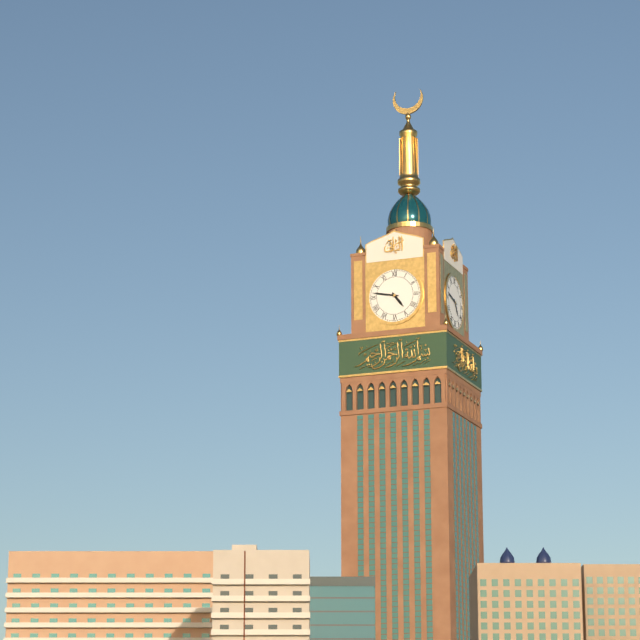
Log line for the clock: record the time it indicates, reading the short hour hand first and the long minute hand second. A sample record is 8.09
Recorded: 4.47
